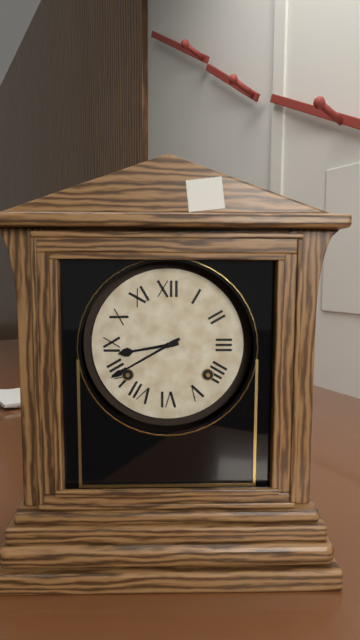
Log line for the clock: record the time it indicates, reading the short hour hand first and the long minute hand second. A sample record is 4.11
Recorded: 8.40
